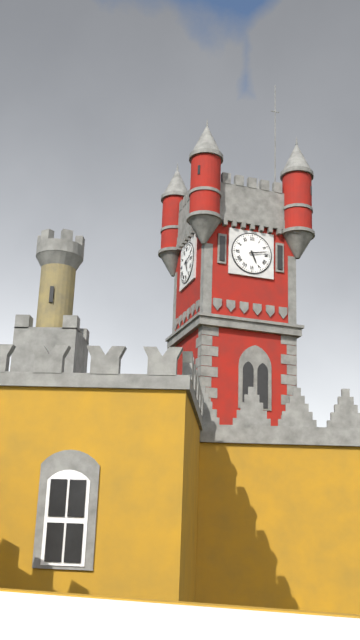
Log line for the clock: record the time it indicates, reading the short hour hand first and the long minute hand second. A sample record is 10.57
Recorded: 5.13
